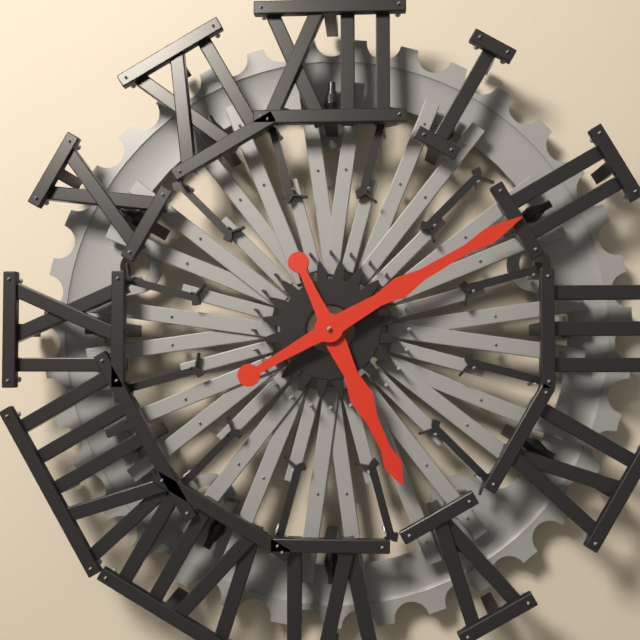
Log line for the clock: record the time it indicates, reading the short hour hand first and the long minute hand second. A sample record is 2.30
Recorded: 5.10
